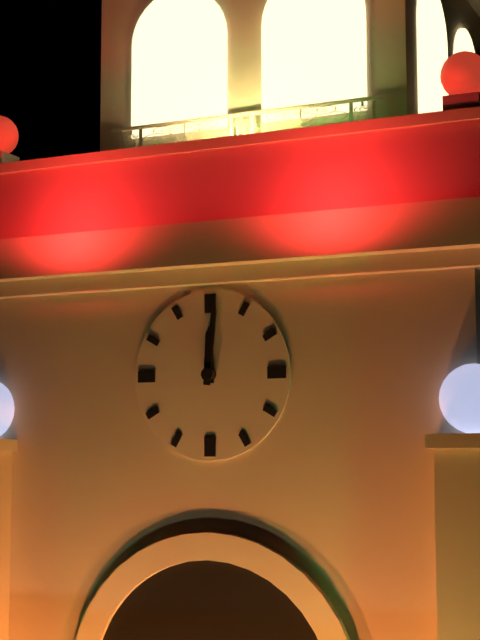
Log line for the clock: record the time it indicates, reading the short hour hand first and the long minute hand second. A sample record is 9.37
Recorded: 12.01
